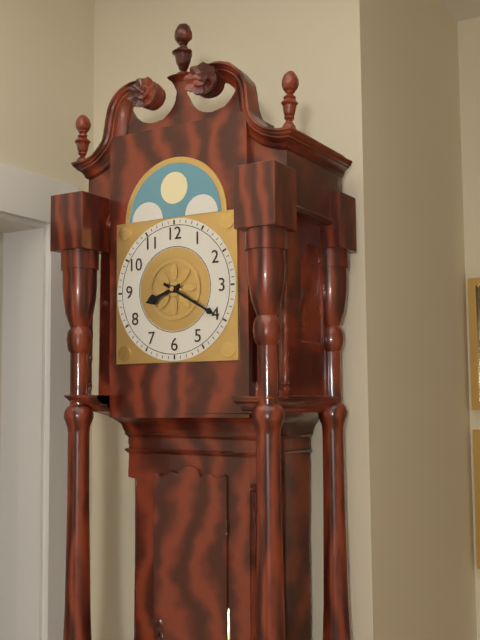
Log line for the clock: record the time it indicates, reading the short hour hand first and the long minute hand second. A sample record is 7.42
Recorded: 8.20
